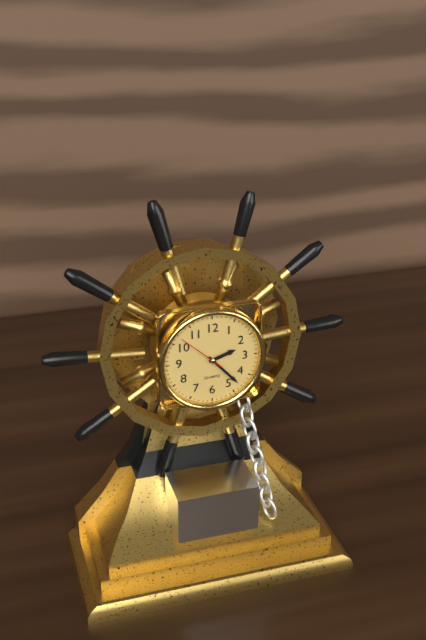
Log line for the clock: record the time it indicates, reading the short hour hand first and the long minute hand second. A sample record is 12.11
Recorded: 2.23
